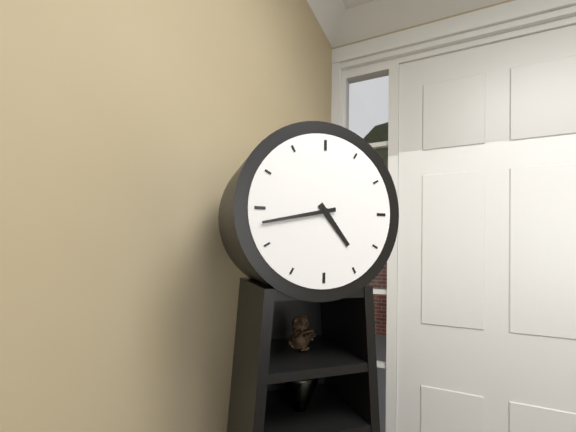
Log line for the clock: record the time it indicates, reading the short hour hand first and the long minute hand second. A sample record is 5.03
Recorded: 4.43
